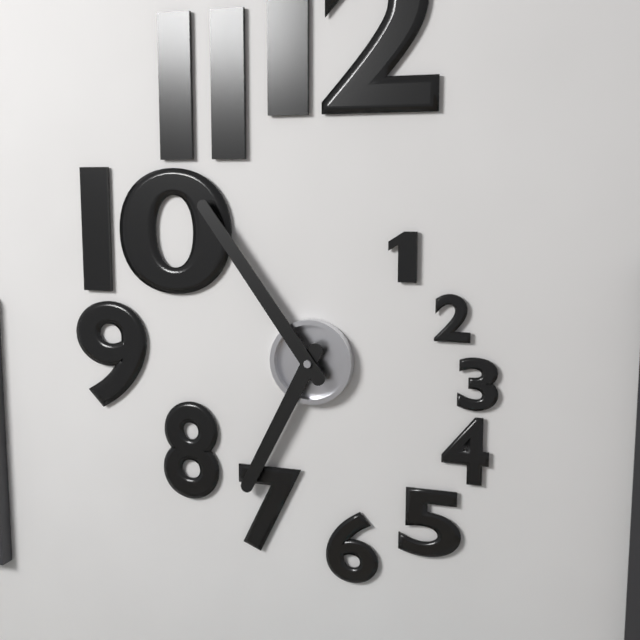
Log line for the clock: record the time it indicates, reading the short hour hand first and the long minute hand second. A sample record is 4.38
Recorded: 6.54
